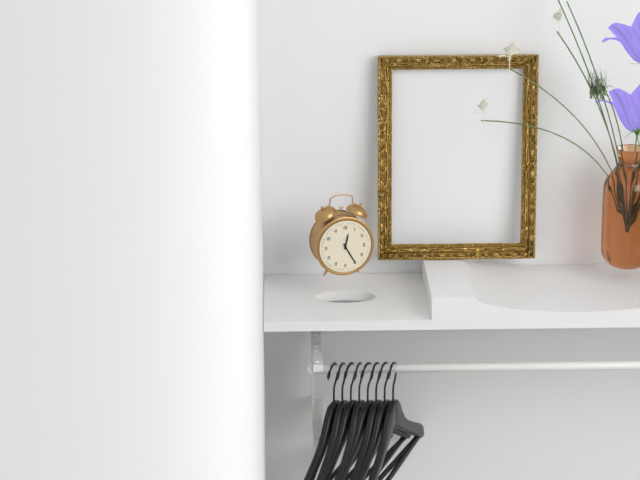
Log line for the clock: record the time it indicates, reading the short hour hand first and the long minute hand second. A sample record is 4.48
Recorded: 12.25
